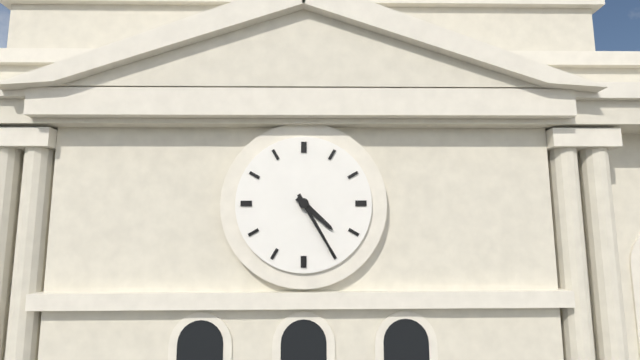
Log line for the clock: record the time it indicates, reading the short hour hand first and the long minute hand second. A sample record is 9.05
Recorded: 4.25
